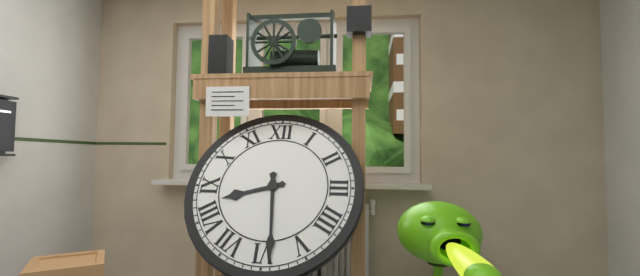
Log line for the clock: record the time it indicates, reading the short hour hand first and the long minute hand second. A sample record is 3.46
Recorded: 8.29
